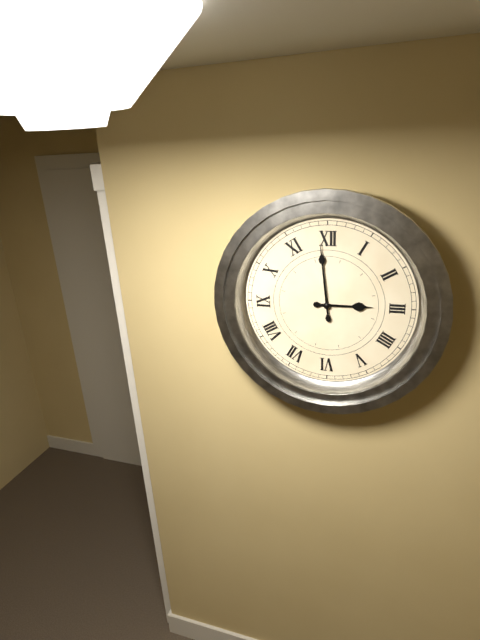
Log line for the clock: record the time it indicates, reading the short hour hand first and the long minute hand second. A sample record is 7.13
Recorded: 2.59
